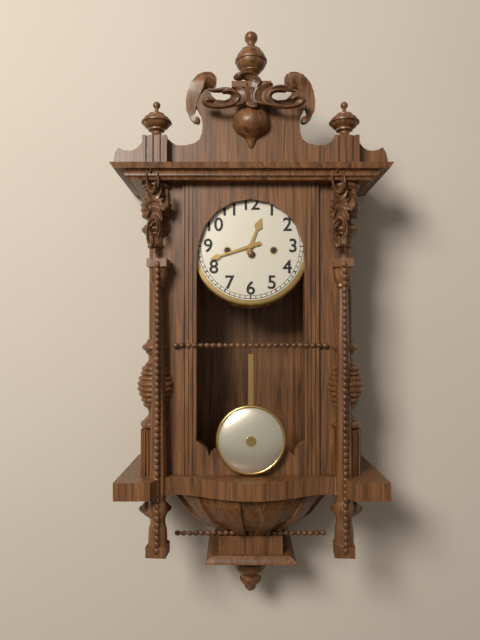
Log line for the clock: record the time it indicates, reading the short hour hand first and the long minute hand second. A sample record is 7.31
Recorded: 12.42
